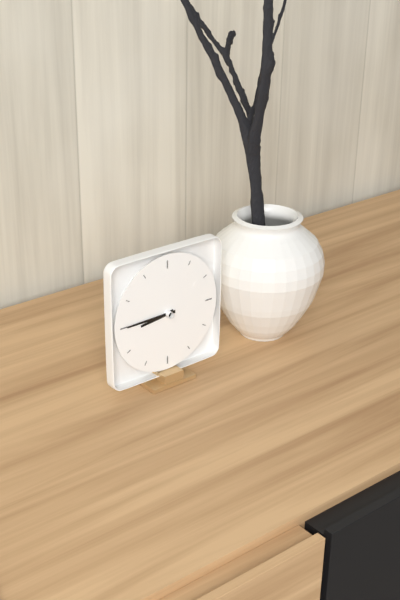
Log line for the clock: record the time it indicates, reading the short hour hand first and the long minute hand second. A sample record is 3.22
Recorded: 8.45
